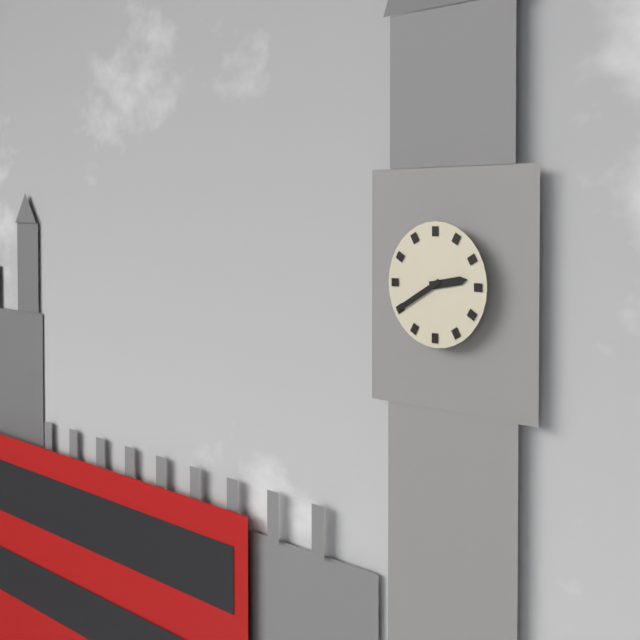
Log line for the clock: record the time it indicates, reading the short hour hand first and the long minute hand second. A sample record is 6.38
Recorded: 2.40
